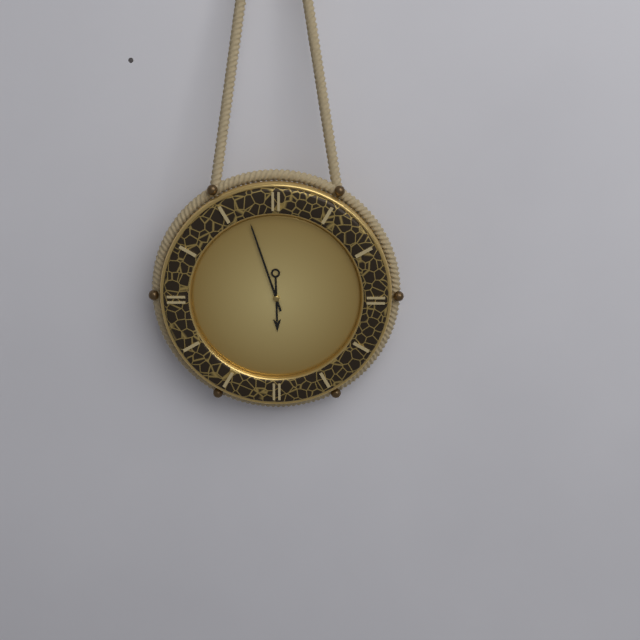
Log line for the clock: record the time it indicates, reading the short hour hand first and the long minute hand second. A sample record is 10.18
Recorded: 5.57
